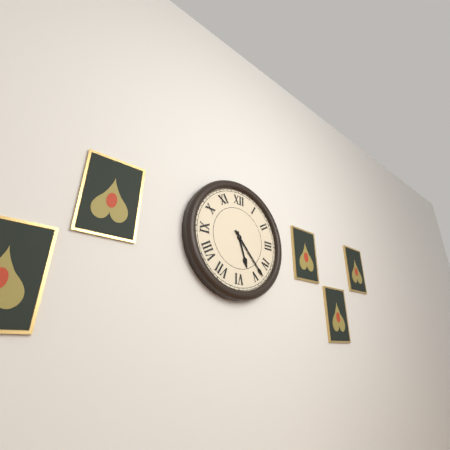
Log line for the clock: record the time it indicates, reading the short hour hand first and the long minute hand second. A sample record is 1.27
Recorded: 5.23
